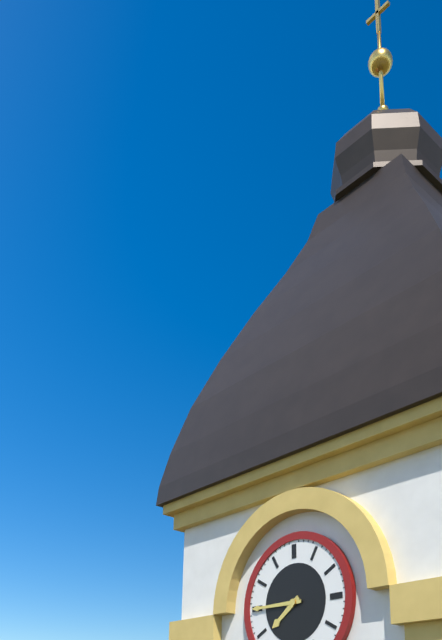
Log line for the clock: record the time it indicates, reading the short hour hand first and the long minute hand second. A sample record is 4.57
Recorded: 7.45
